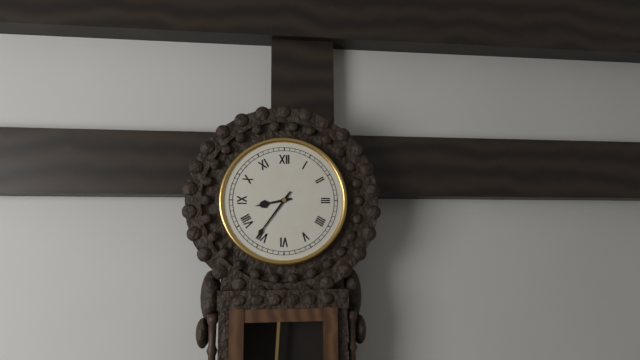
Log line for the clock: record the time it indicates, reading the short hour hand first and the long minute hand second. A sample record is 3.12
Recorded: 8.36
